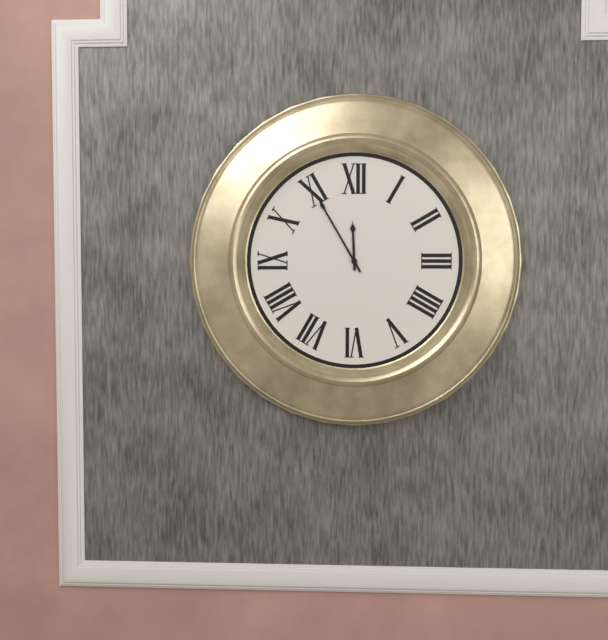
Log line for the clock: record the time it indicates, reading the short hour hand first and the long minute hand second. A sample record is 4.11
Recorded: 11.55
